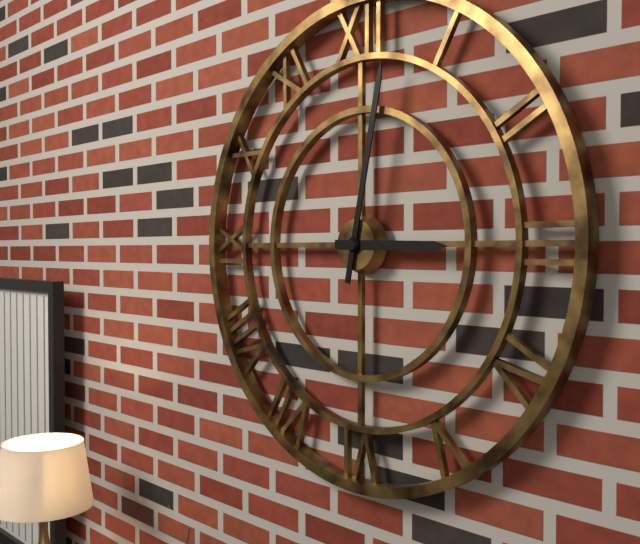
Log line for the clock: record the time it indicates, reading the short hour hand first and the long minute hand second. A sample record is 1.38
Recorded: 3.02
